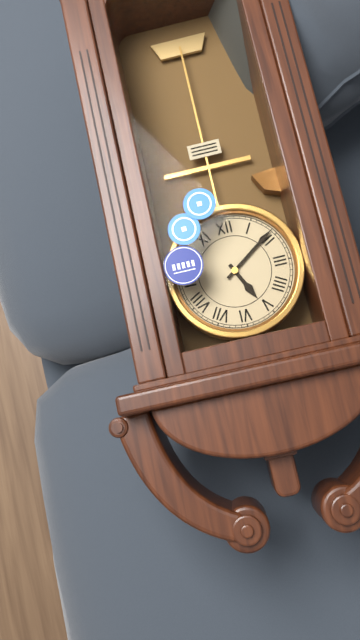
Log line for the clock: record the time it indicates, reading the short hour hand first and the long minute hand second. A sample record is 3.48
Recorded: 5.09
